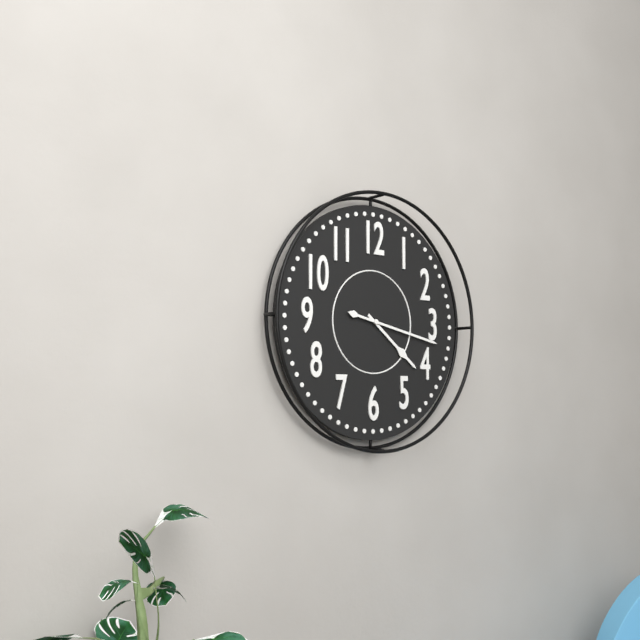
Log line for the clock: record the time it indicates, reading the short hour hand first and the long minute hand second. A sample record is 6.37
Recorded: 4.17
